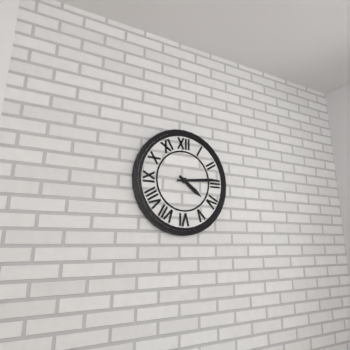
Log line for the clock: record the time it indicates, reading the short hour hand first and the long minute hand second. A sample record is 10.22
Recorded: 4.14
